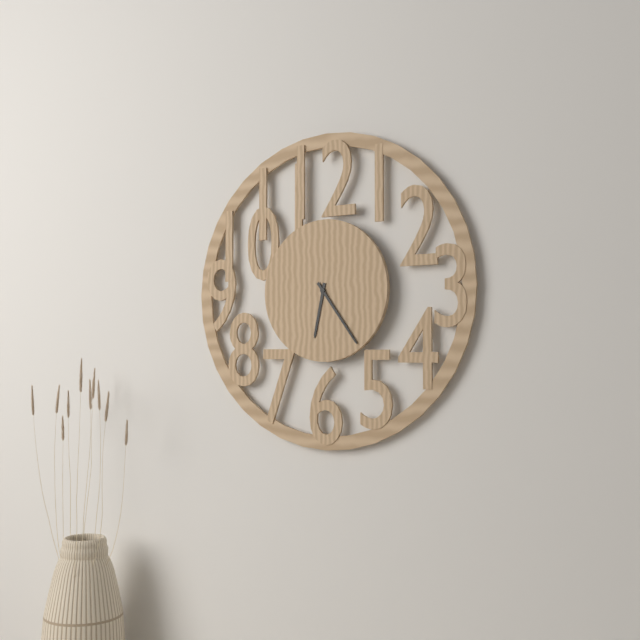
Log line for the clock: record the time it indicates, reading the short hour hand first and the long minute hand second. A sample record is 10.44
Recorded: 6.24
